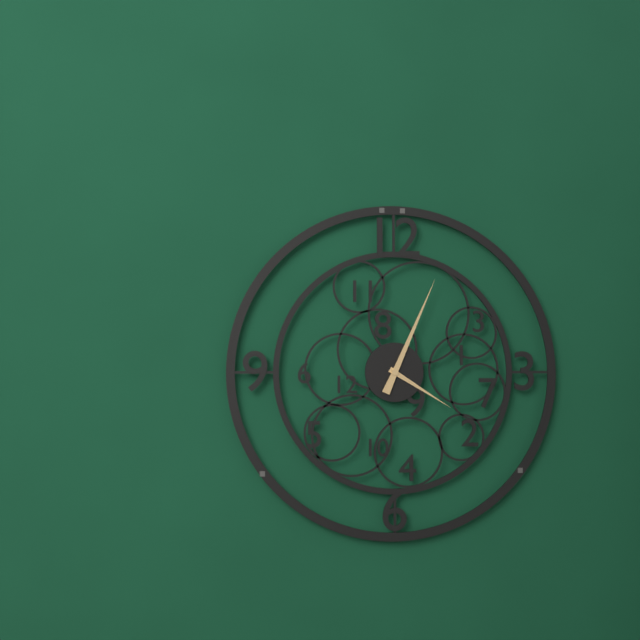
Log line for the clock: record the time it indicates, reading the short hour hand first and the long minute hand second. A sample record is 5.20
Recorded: 4.04
